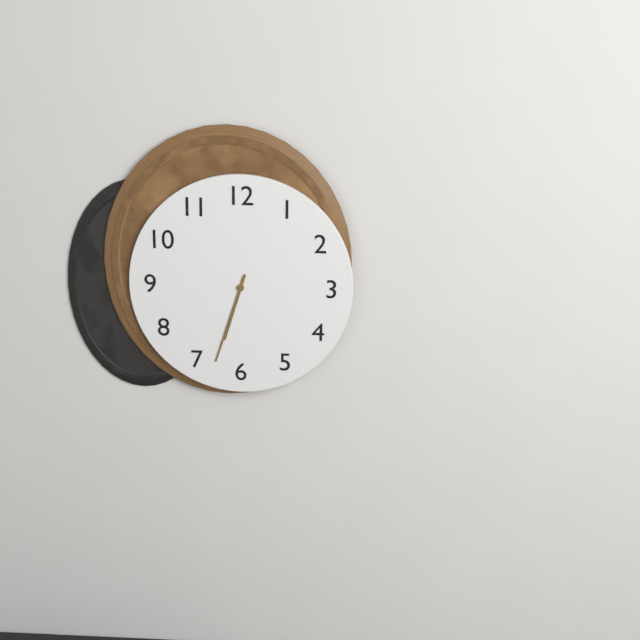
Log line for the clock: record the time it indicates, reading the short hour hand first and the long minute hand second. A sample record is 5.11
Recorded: 6.33
